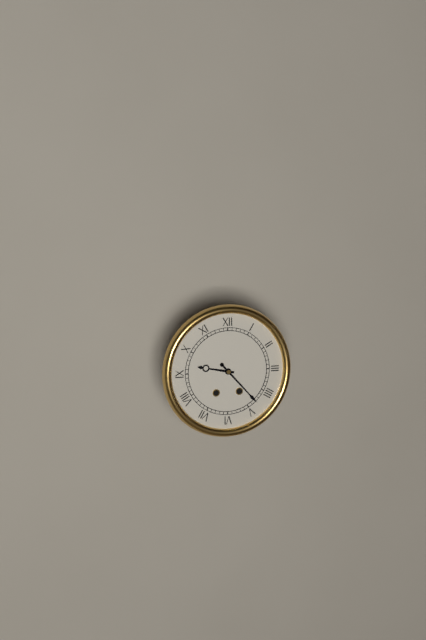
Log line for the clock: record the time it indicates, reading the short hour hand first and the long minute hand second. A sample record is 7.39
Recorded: 9.23
